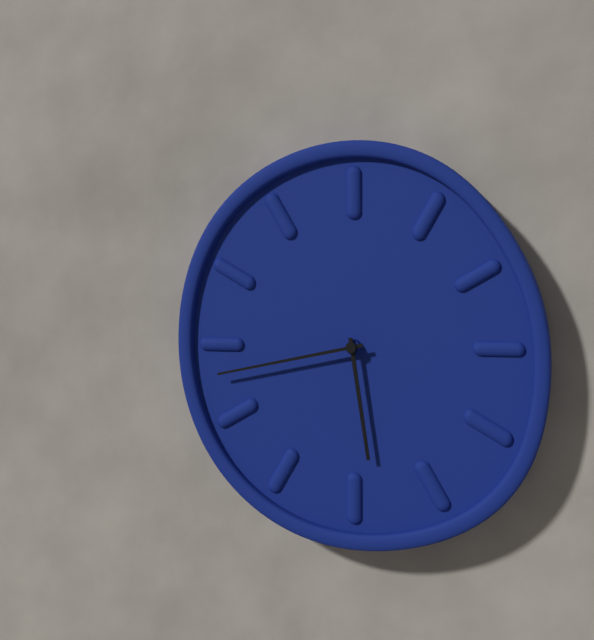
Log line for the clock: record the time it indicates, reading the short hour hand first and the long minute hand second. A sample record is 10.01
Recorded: 5.43
